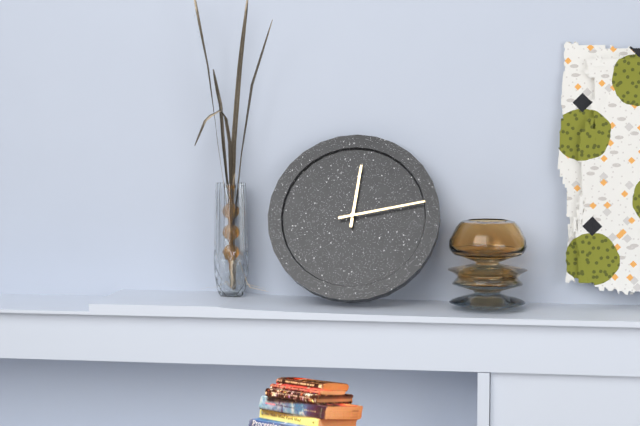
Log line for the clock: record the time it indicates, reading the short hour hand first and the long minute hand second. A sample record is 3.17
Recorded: 12.13
